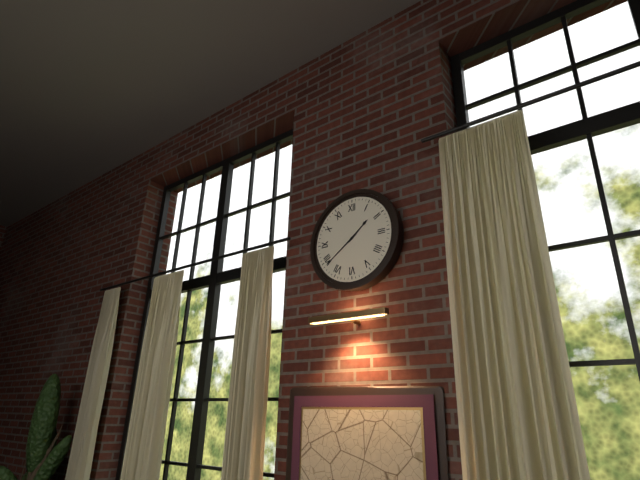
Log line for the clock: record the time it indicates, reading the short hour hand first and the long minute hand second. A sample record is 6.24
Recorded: 1.39
